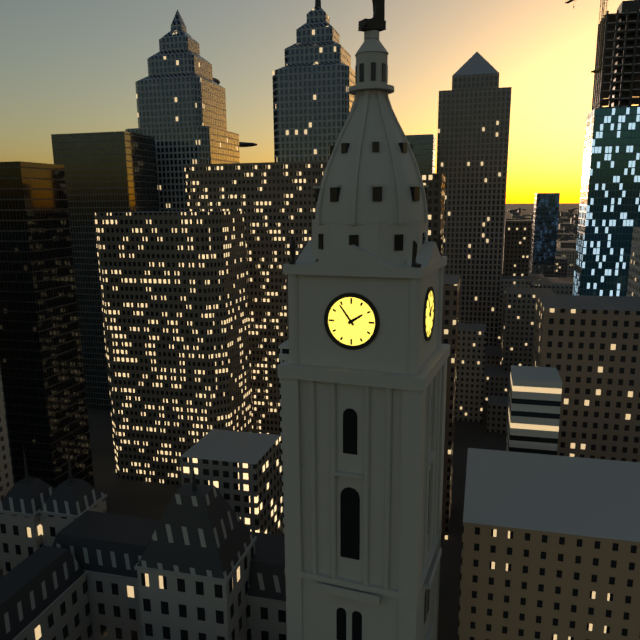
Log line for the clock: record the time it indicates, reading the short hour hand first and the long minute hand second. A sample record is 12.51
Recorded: 1.54
